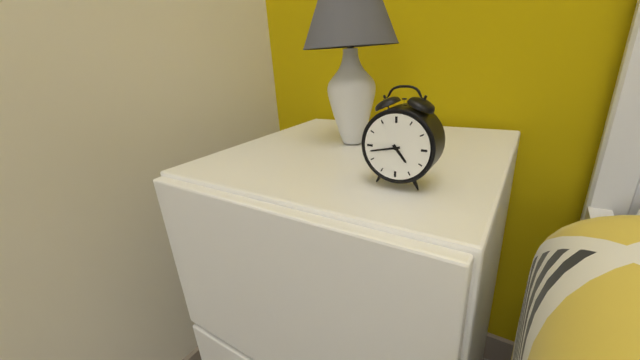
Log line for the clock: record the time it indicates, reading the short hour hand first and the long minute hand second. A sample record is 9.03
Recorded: 4.43
